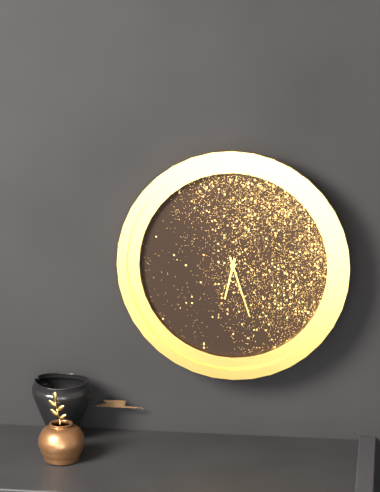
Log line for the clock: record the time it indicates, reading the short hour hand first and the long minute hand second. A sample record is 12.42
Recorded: 6.27
